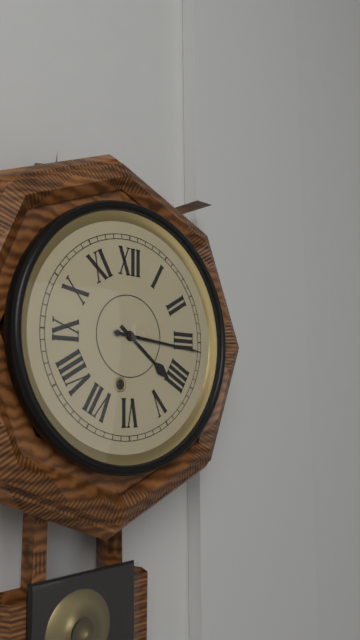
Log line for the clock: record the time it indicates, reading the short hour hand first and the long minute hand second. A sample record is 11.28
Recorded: 4.16
